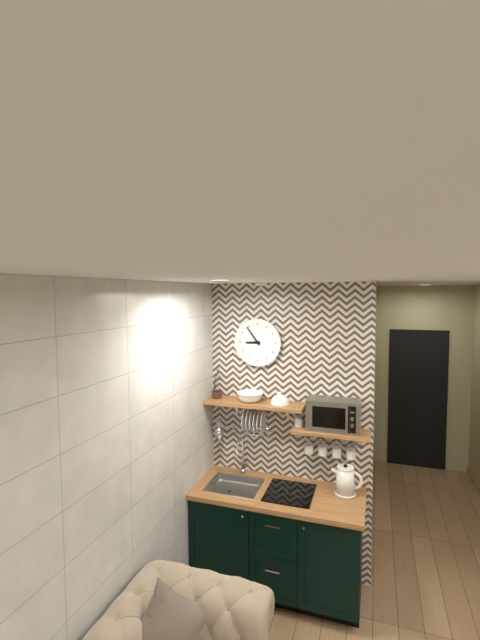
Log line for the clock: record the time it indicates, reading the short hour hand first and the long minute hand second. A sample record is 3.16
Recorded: 8.54
